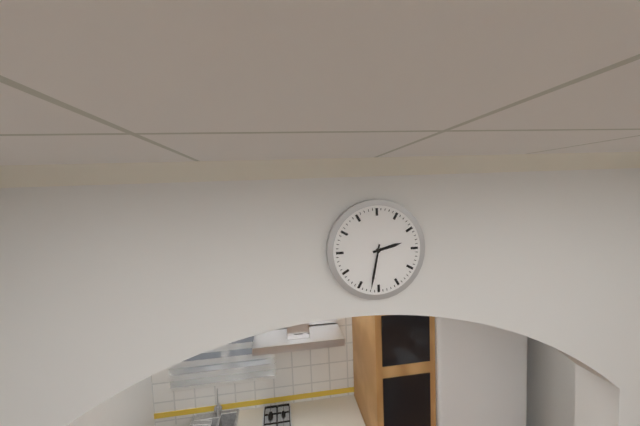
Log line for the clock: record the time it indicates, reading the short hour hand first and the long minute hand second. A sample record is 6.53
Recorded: 2.32
